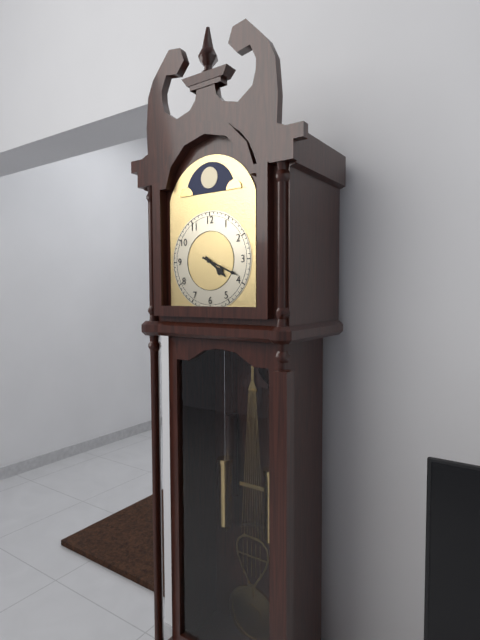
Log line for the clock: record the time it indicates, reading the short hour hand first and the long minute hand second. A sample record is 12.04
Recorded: 4.19
